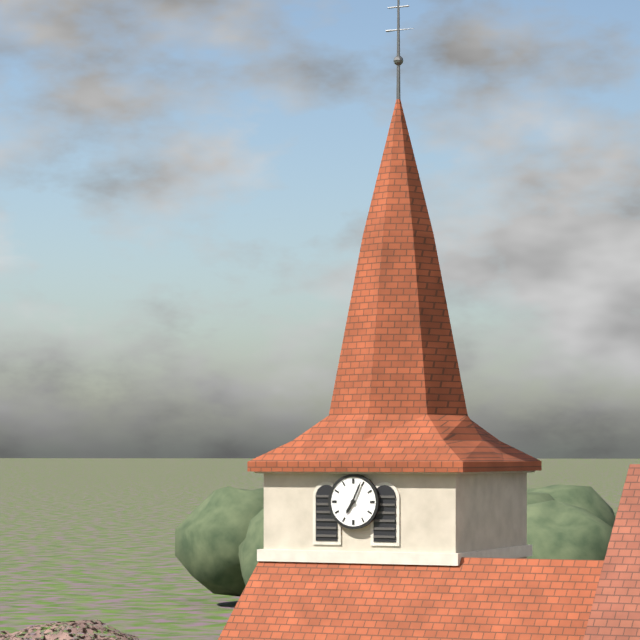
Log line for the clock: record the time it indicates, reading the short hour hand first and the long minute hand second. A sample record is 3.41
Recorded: 7.04
